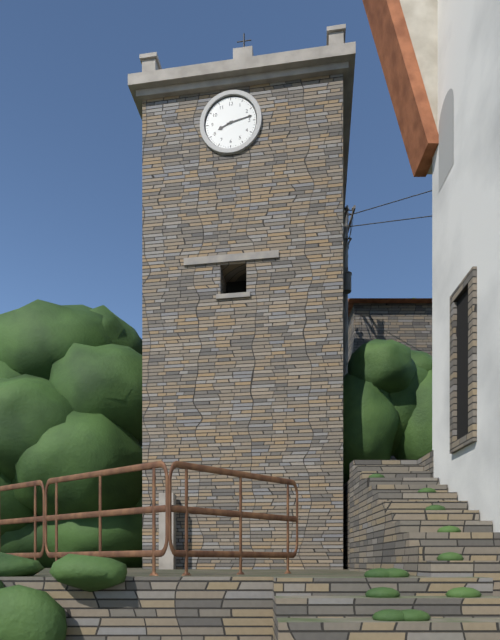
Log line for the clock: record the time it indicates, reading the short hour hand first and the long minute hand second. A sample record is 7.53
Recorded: 8.13
